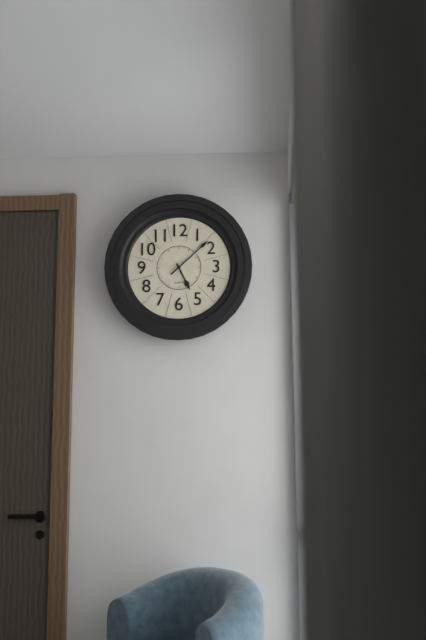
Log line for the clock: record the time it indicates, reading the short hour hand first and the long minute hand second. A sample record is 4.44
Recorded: 5.08
